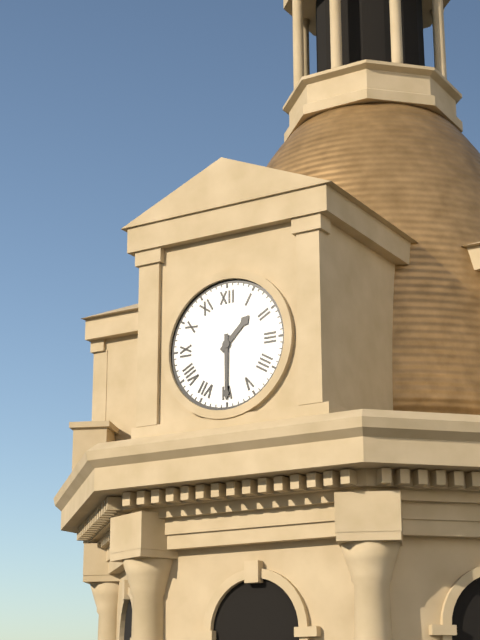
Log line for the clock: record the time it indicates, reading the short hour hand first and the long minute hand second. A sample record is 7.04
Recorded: 1.30
